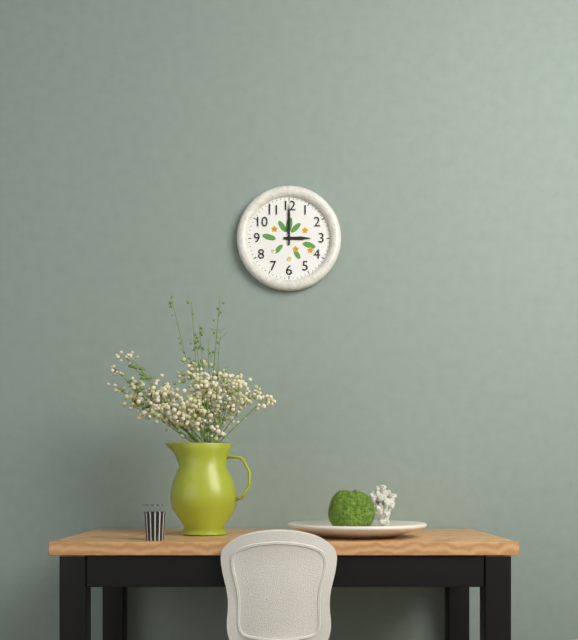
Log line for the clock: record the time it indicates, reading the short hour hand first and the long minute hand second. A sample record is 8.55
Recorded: 3.00
